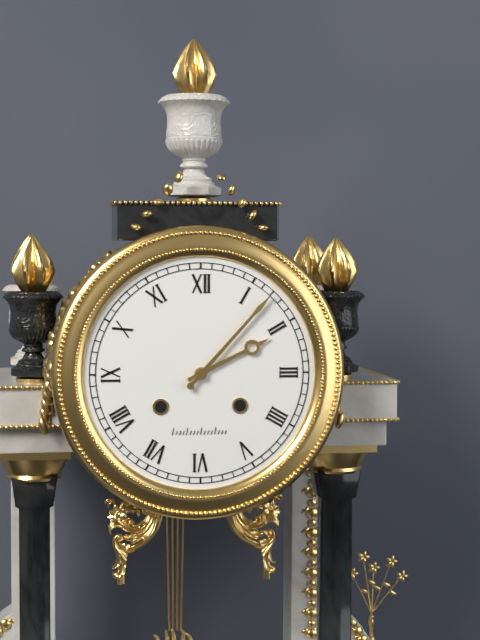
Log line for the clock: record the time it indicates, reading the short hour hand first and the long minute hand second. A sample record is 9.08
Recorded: 2.07
